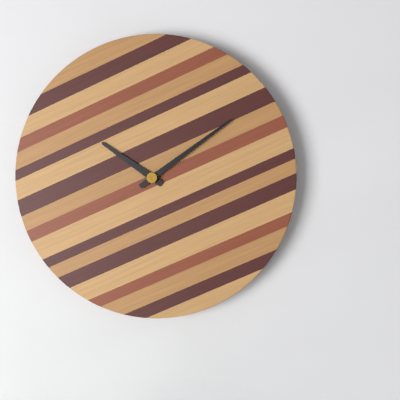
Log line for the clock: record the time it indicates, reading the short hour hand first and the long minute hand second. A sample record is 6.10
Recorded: 10.09
